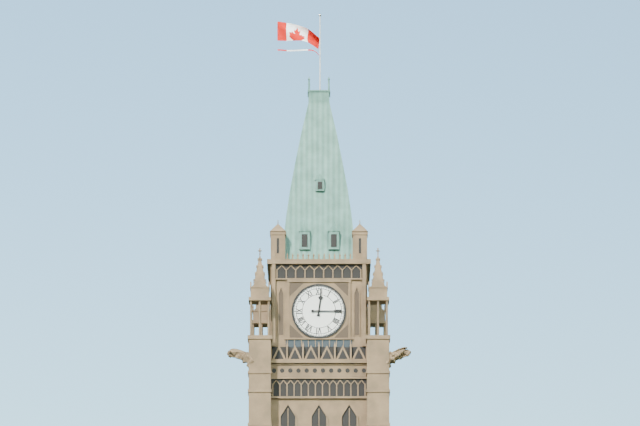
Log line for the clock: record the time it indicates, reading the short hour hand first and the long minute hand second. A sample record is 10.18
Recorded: 12.15
